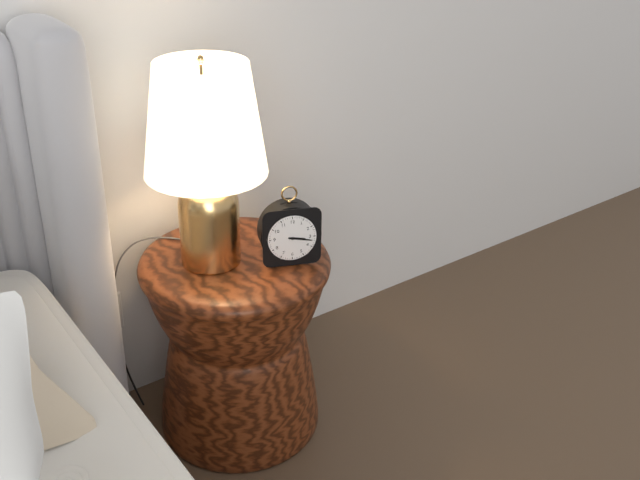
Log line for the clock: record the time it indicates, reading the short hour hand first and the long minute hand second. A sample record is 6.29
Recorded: 3.17
